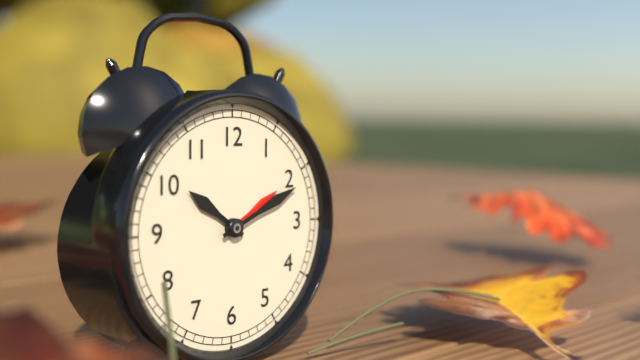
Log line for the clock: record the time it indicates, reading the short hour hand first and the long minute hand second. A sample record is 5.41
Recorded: 10.11
